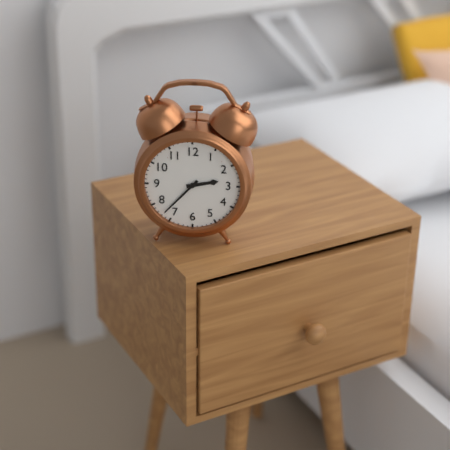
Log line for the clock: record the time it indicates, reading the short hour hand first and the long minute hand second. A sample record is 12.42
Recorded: 2.37
